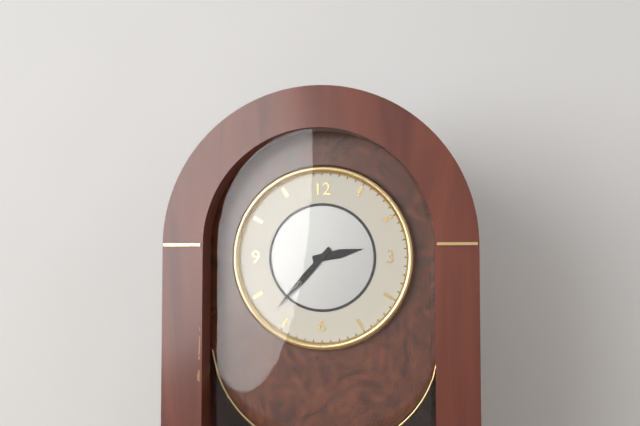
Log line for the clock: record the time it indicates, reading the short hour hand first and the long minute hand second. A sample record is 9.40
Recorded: 2.37
